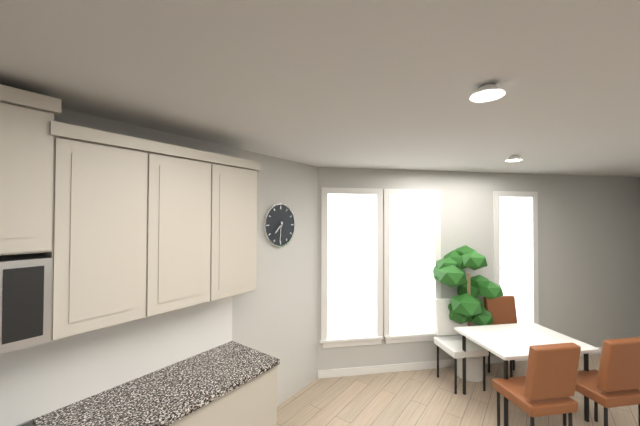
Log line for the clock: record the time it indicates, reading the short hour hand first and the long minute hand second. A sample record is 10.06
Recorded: 7.31
